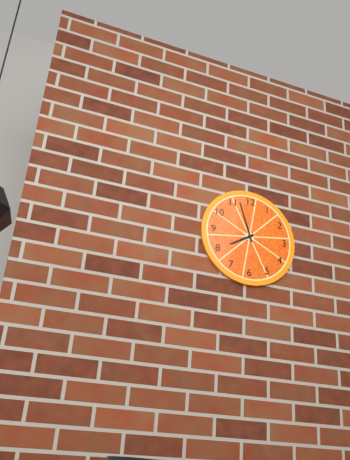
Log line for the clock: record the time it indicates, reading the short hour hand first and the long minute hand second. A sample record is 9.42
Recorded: 7.57
